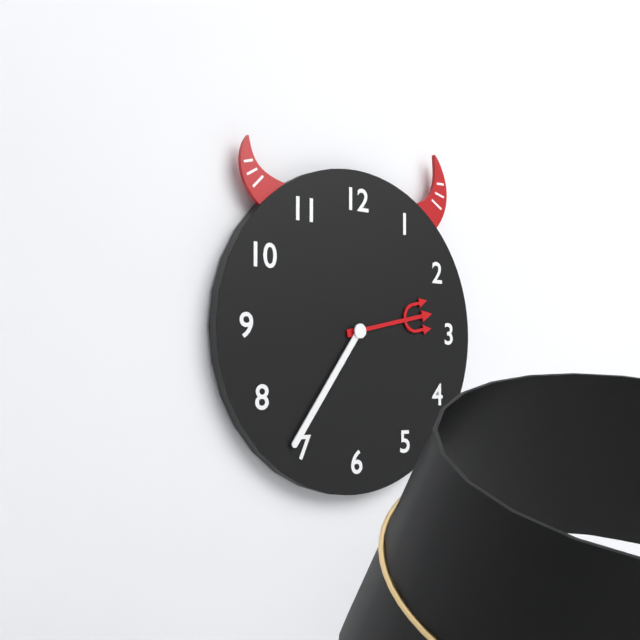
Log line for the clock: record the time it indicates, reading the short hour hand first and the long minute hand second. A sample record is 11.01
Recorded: 2.36
